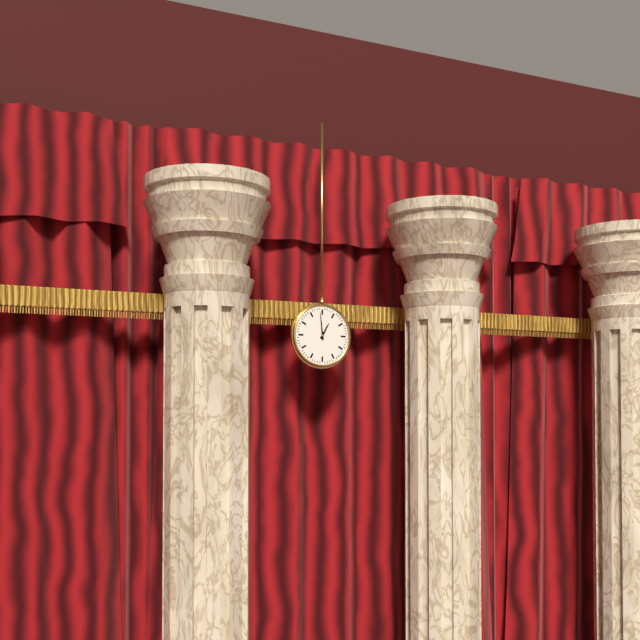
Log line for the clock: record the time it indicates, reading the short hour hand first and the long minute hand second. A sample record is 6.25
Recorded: 12.59
